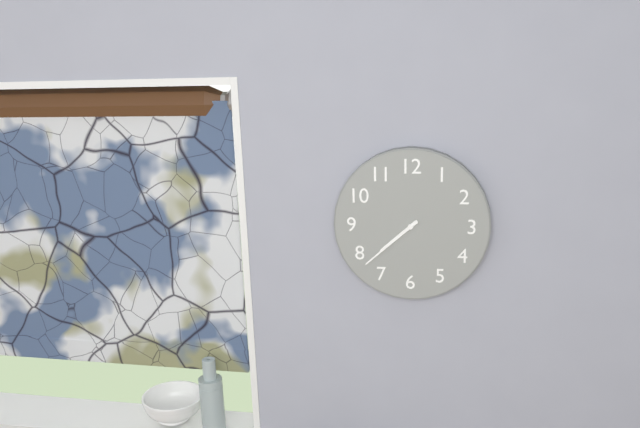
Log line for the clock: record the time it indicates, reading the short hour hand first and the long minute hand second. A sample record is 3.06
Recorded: 7.38
